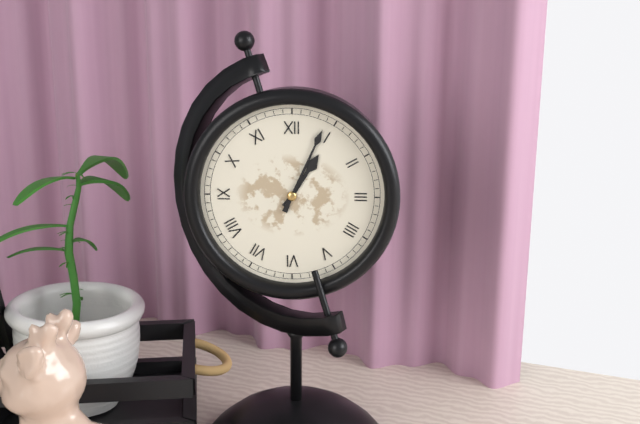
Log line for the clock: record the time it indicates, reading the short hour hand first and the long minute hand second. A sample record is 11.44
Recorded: 1.04
